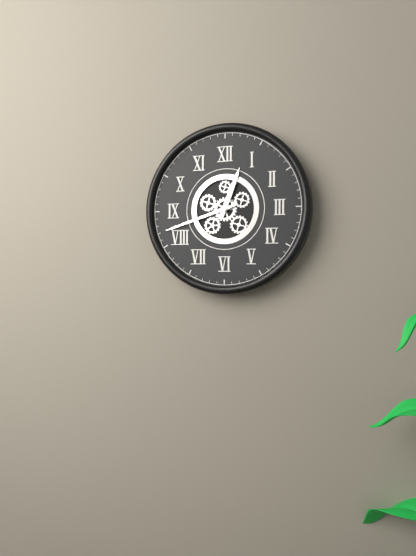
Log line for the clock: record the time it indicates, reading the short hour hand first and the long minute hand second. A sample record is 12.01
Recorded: 12.42
